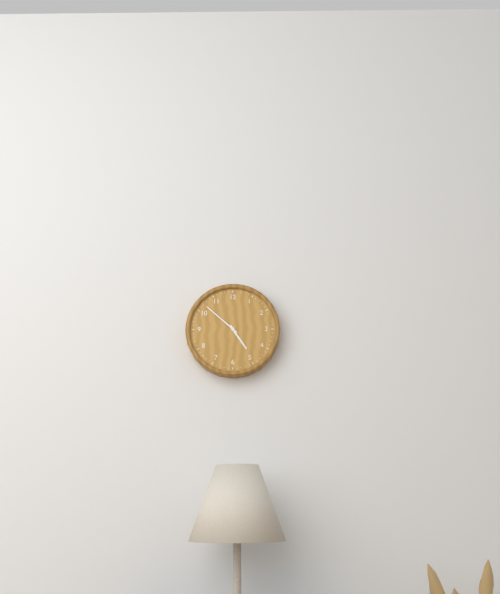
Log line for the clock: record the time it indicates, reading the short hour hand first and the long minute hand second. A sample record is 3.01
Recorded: 4.52
